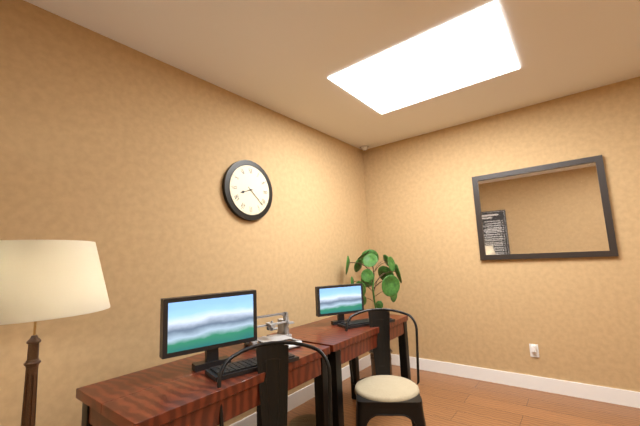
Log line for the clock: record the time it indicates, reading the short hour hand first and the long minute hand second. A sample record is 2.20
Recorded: 8.22
